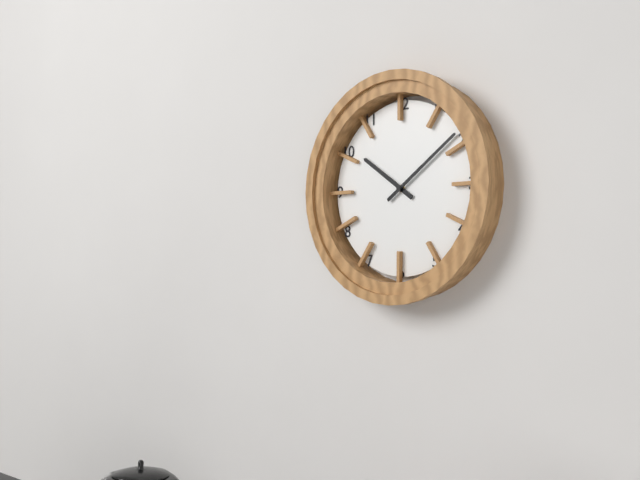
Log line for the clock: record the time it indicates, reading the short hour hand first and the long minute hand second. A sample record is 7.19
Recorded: 10.09
